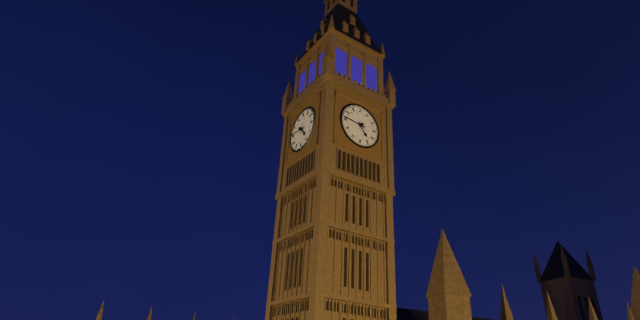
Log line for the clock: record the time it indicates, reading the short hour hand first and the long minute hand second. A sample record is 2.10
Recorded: 4.46
